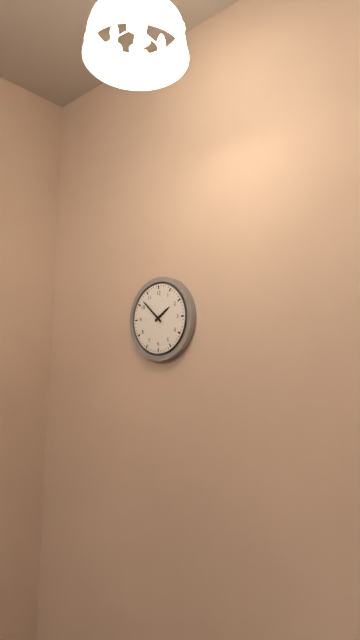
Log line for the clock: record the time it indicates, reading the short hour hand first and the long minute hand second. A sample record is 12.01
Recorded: 1.52
